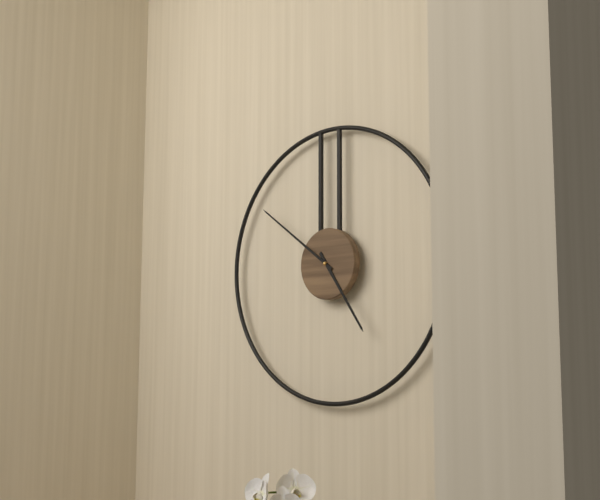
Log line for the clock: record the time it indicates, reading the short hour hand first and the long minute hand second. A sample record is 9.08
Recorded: 4.51
